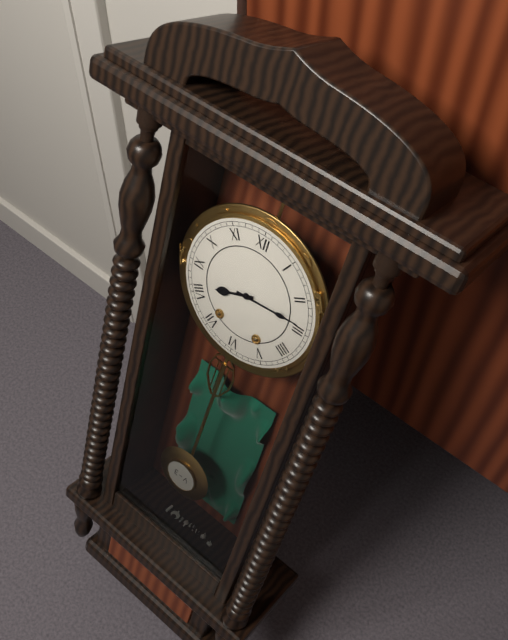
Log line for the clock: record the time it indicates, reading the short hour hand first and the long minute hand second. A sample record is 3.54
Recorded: 8.14
